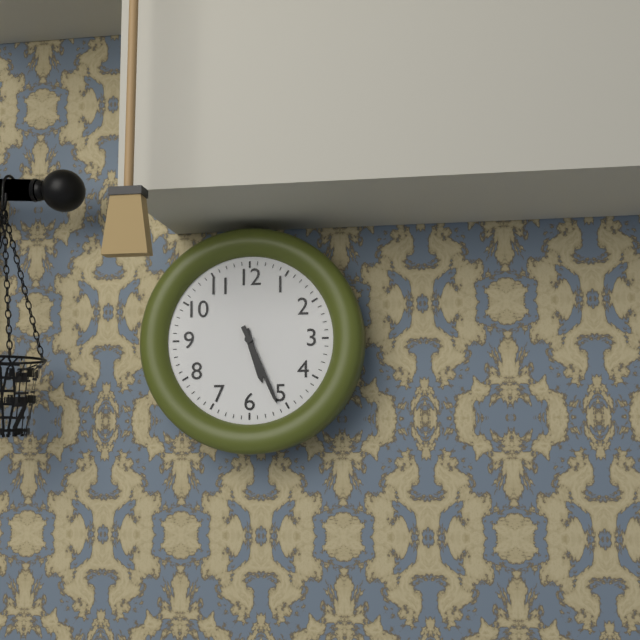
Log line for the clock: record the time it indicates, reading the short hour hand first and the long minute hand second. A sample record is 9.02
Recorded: 5.26
